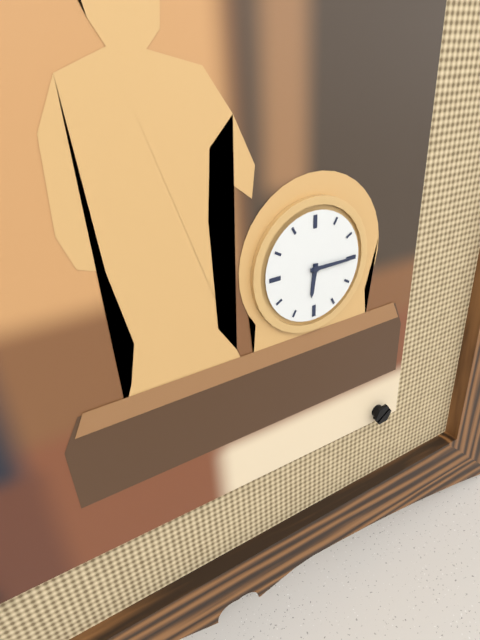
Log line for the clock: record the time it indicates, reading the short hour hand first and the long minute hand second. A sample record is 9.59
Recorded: 6.15
